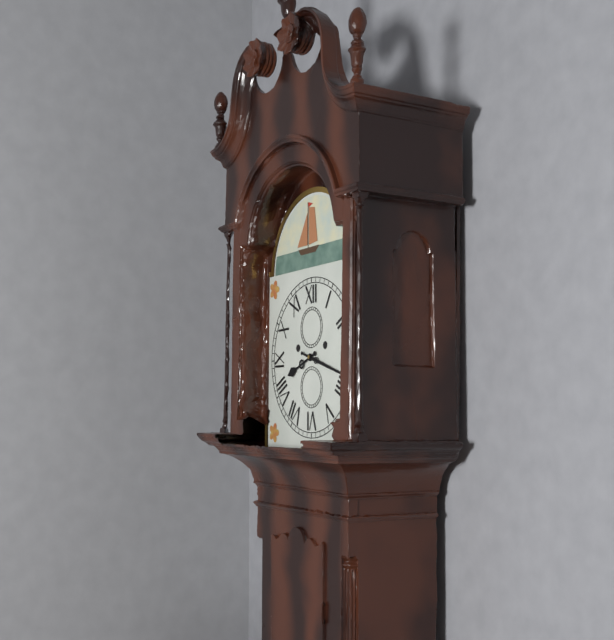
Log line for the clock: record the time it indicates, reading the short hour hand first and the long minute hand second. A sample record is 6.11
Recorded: 8.18
